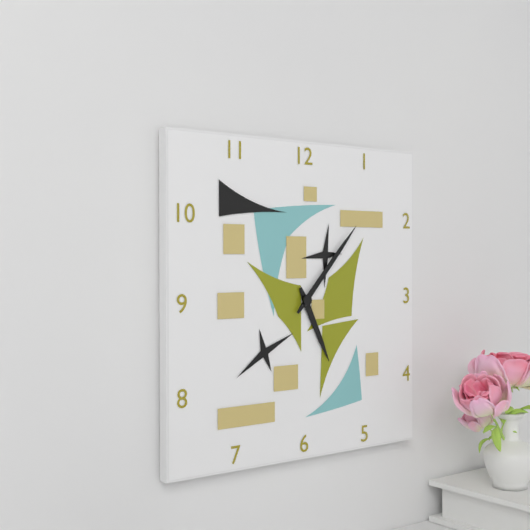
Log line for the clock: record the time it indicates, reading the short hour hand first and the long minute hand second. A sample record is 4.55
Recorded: 5.07
